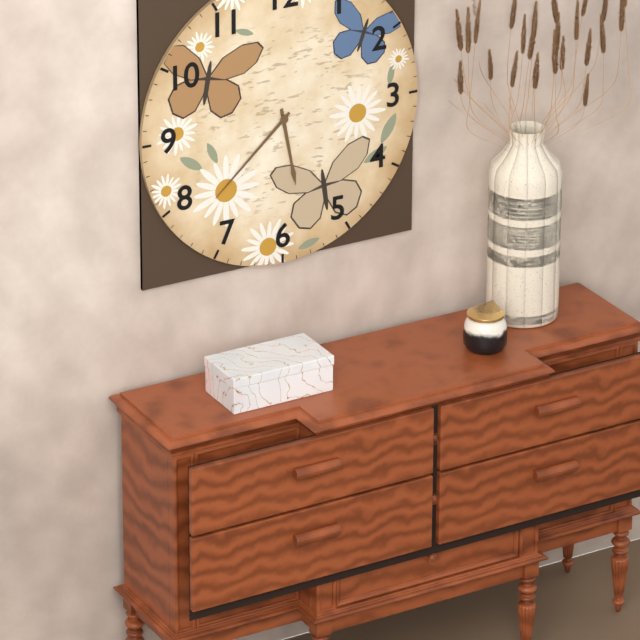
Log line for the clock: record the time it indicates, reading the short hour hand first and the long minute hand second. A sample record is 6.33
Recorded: 5.38
